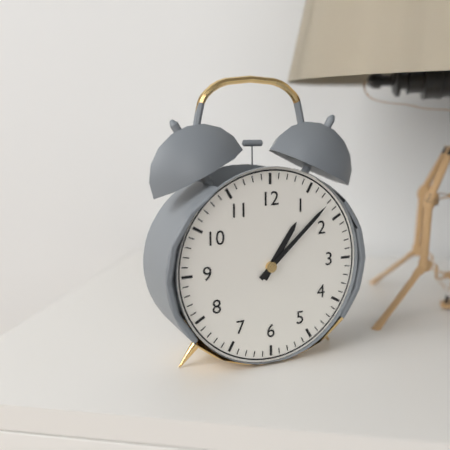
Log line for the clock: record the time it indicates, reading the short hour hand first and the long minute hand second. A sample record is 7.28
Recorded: 1.08
